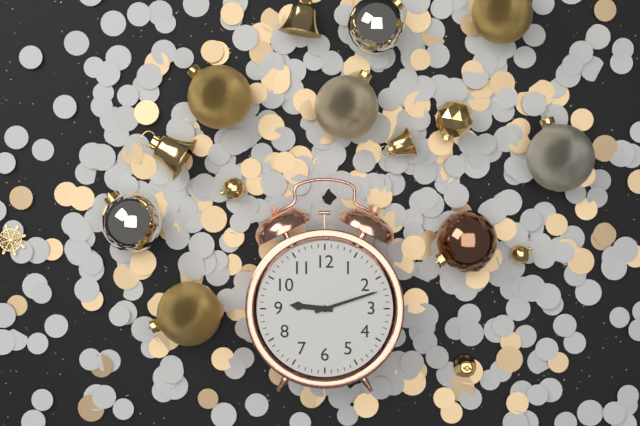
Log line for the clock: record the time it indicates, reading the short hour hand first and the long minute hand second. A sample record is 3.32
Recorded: 9.12
